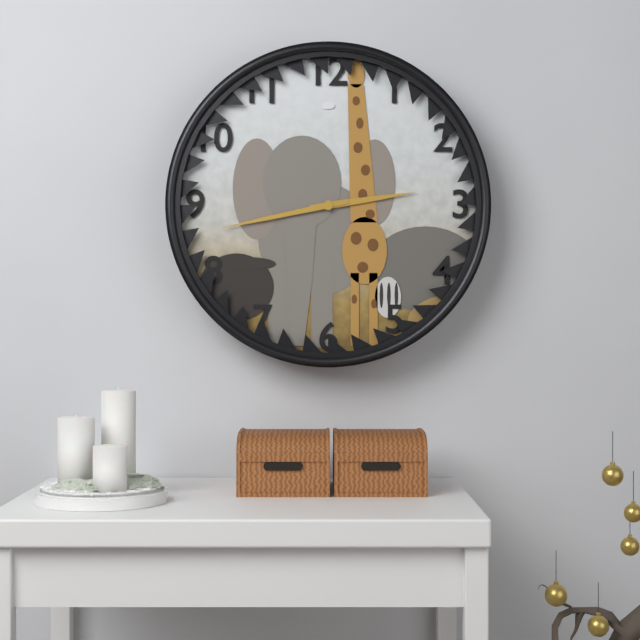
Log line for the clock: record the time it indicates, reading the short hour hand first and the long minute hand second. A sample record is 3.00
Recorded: 2.43
